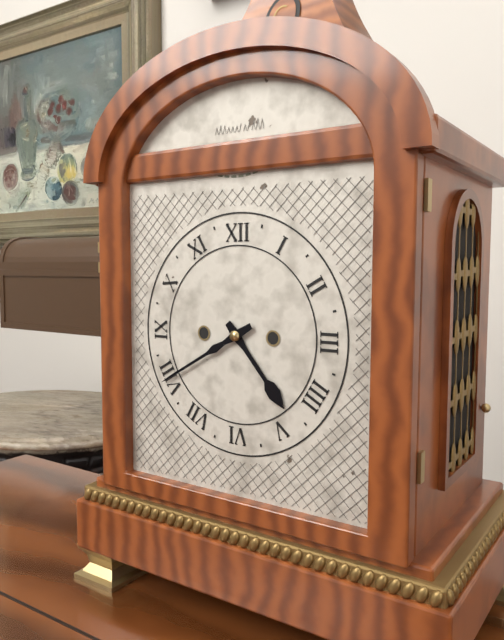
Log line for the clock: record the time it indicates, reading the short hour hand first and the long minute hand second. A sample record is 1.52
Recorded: 4.40
